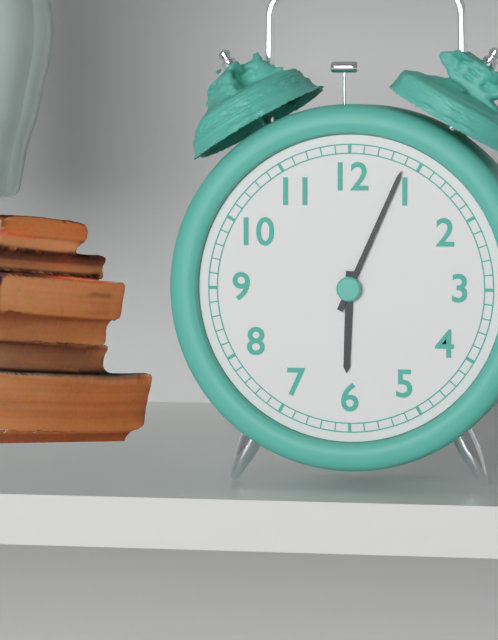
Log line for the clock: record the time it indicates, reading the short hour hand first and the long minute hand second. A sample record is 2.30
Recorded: 6.04
